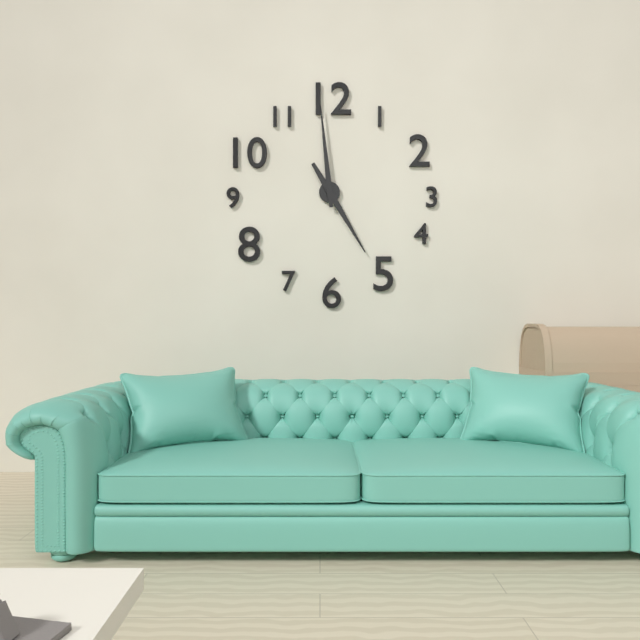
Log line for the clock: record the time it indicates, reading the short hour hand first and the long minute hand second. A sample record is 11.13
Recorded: 4.59
